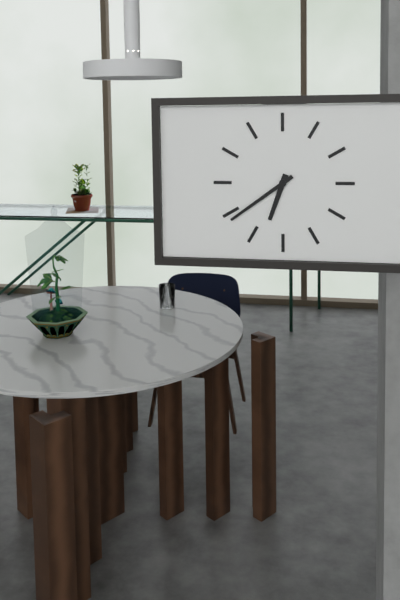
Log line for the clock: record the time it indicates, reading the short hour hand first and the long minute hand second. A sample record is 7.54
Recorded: 6.39
